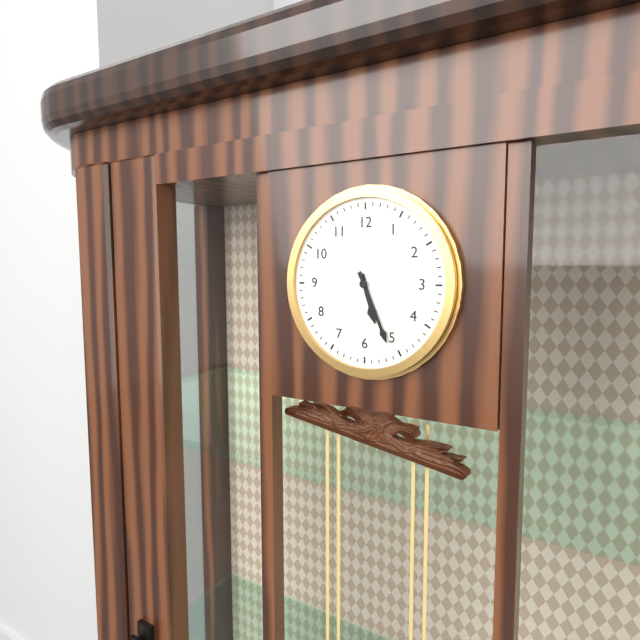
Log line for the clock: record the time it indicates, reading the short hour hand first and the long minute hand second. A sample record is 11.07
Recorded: 5.26
